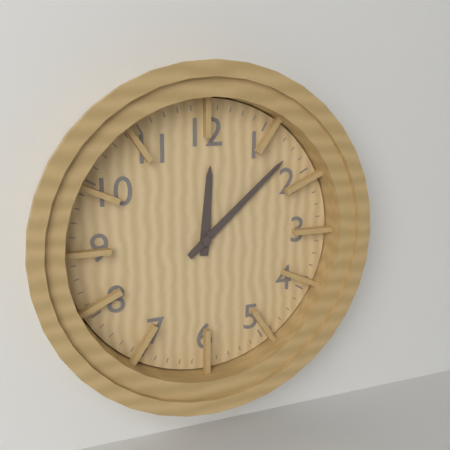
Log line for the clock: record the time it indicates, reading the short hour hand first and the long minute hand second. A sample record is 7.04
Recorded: 12.08
